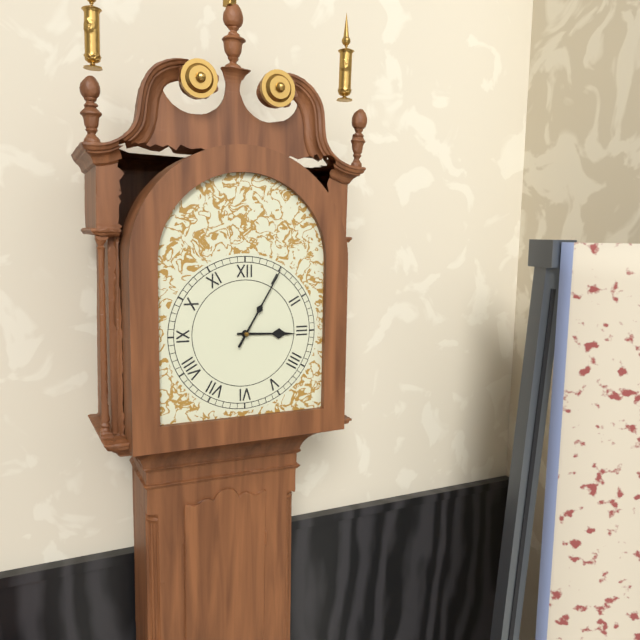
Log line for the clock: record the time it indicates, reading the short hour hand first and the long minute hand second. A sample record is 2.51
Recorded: 3.05
